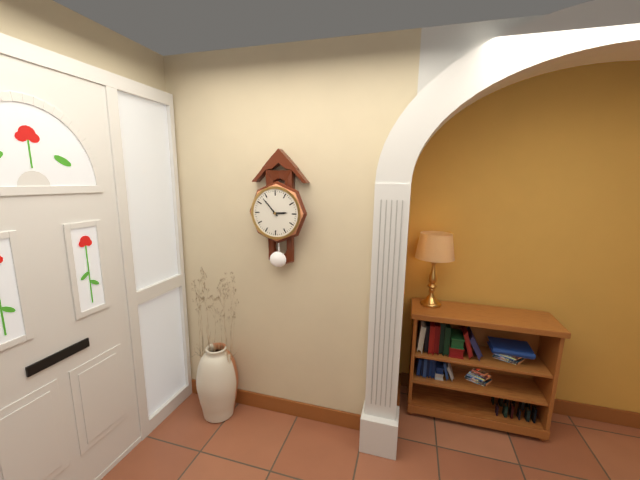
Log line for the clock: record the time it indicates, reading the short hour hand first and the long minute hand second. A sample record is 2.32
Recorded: 2.53
